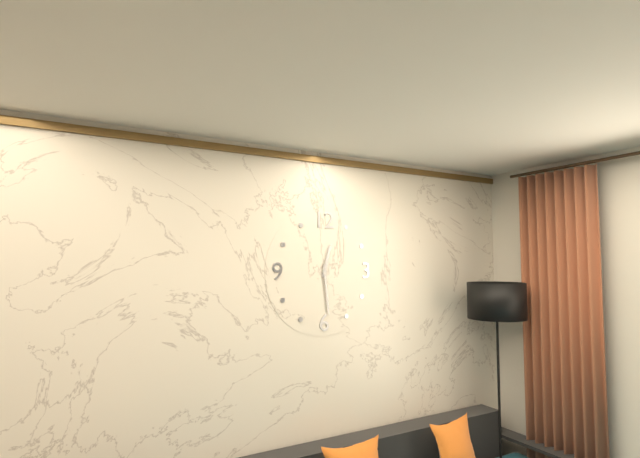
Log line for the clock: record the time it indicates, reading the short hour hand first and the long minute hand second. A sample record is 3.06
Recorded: 12.29
